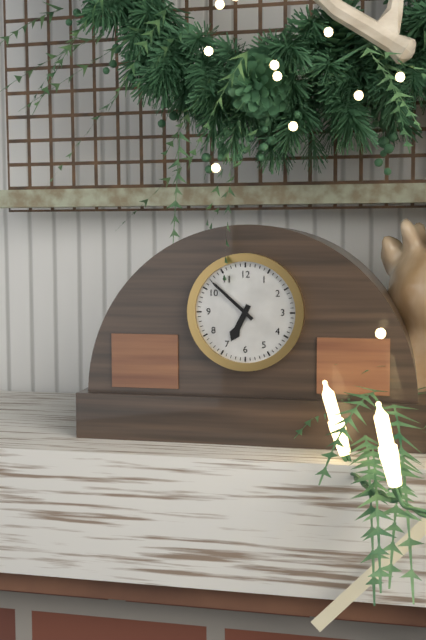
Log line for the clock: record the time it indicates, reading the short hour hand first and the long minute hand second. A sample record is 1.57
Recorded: 6.52
